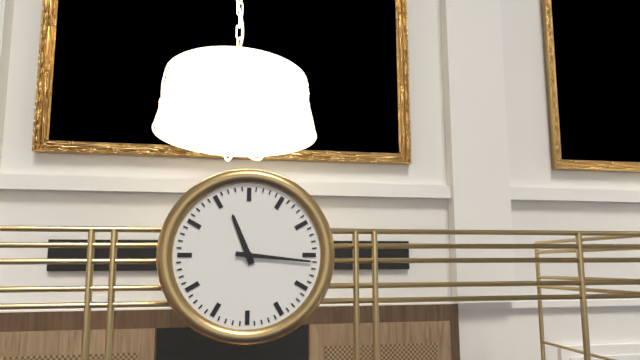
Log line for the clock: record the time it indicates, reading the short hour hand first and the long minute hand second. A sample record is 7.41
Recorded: 11.16
